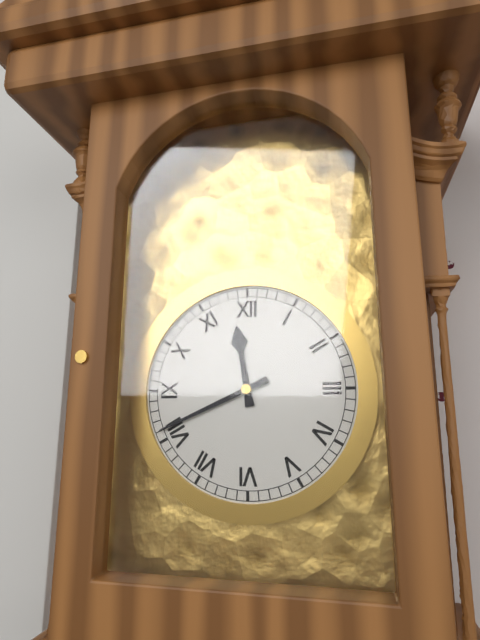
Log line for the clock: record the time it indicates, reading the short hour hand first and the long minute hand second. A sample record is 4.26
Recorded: 11.41
